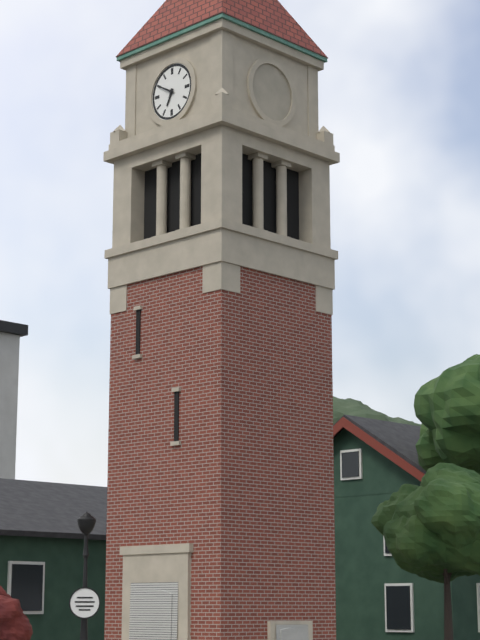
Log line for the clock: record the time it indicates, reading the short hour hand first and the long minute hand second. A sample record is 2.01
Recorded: 6.50
